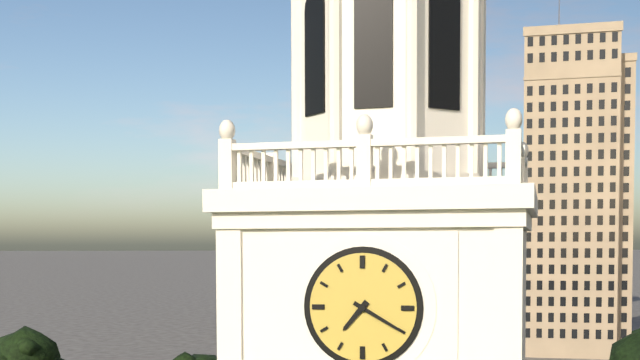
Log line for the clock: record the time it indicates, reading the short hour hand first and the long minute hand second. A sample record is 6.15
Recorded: 7.20
